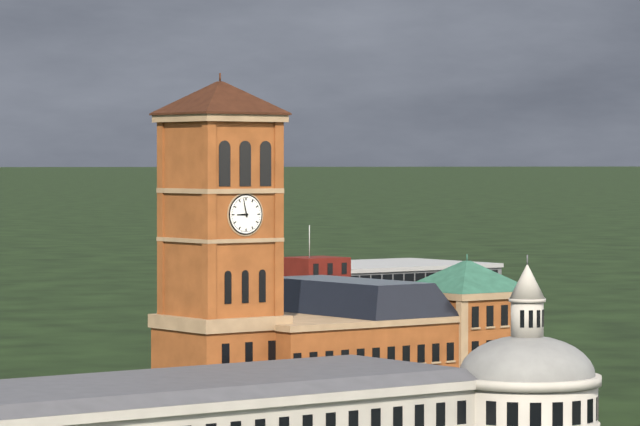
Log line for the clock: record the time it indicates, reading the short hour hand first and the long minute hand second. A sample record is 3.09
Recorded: 8.58
